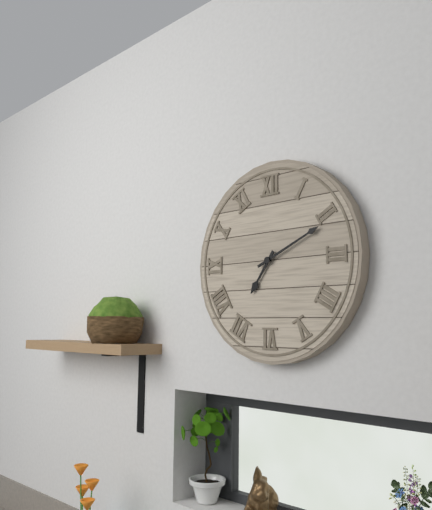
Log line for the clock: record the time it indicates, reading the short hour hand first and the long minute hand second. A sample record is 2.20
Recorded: 7.11
